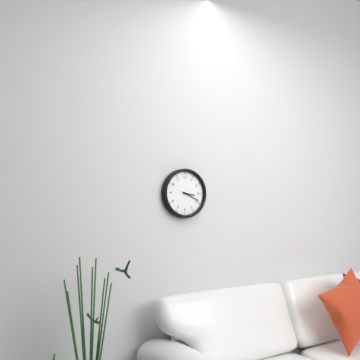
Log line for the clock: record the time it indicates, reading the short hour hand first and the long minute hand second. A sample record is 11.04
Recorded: 3.19
